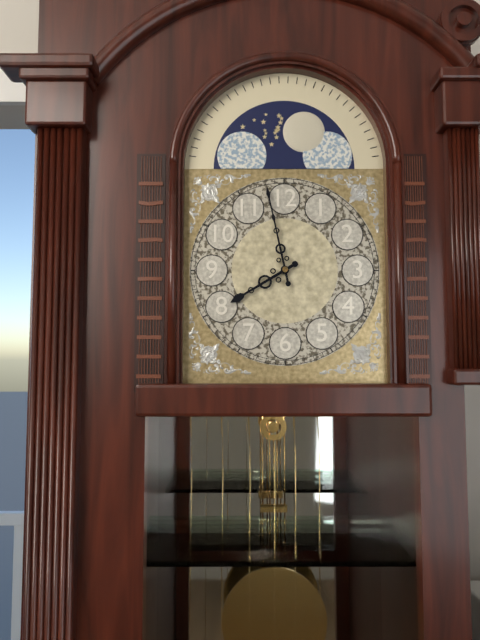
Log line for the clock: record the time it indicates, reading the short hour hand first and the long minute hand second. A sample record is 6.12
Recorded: 7.58
